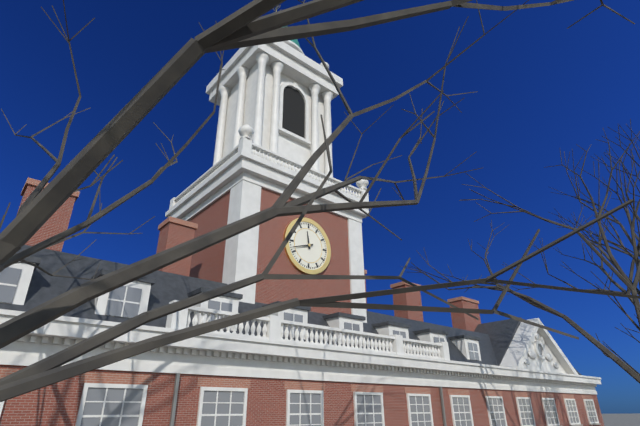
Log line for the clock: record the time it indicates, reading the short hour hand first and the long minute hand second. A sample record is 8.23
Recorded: 11.42
